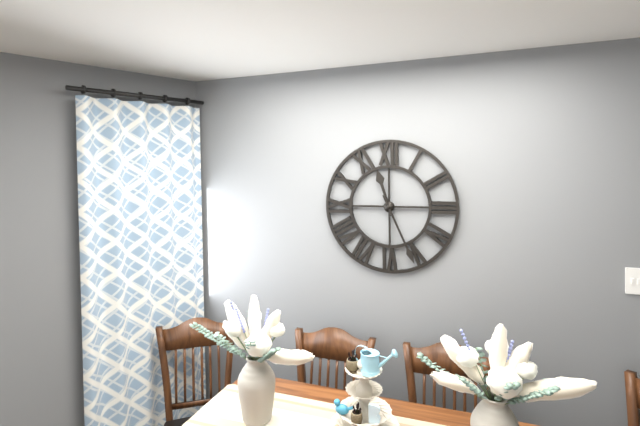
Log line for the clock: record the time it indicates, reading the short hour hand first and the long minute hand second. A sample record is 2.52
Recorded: 11.26
